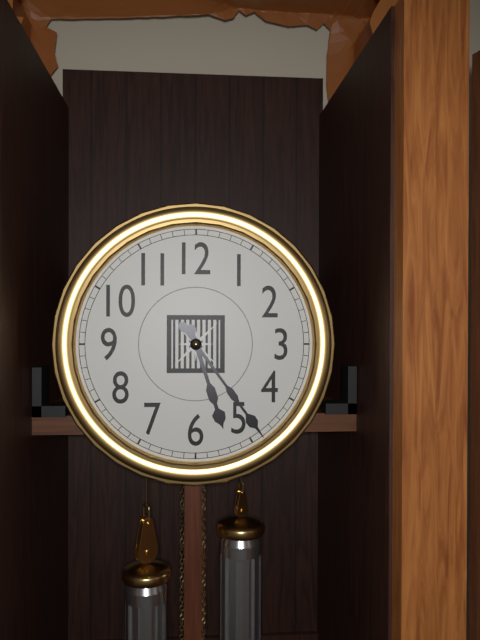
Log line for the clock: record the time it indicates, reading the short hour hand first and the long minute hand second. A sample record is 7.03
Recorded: 5.24
